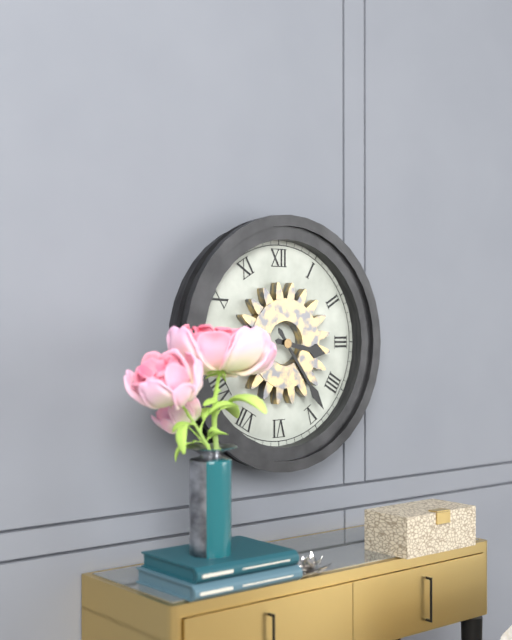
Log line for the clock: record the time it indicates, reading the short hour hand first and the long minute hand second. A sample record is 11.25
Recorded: 3.24
